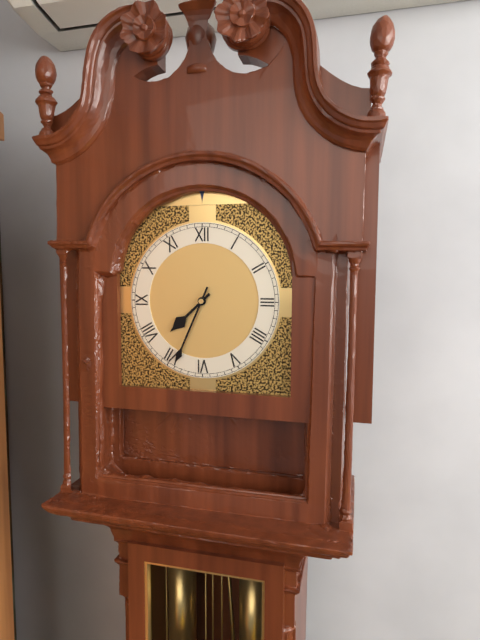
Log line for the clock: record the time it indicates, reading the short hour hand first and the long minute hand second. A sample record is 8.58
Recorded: 7.34
